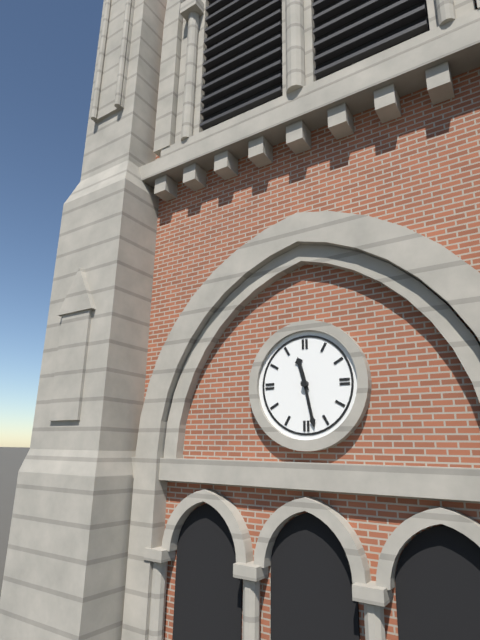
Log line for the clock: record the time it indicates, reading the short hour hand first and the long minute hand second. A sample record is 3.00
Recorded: 11.28
